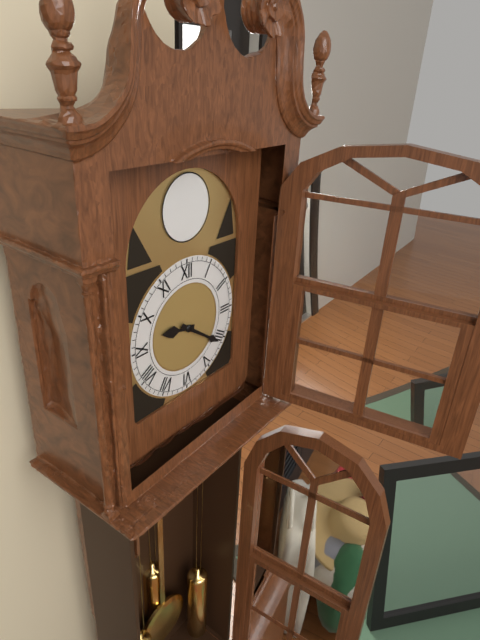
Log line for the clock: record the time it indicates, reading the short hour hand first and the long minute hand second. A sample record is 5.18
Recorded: 9.21
